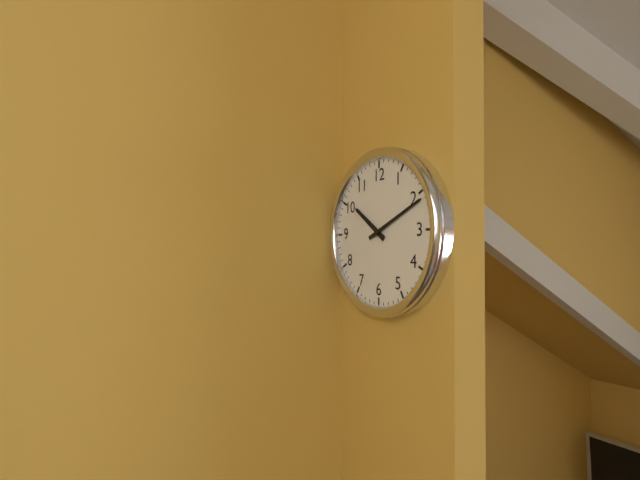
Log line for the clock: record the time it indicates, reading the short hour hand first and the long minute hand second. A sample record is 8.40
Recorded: 10.11
